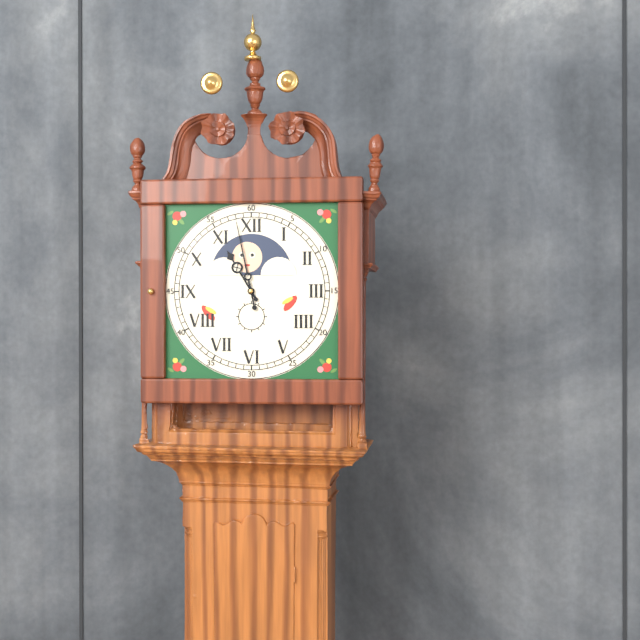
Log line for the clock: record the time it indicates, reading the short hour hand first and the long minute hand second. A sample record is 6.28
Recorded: 10.58
